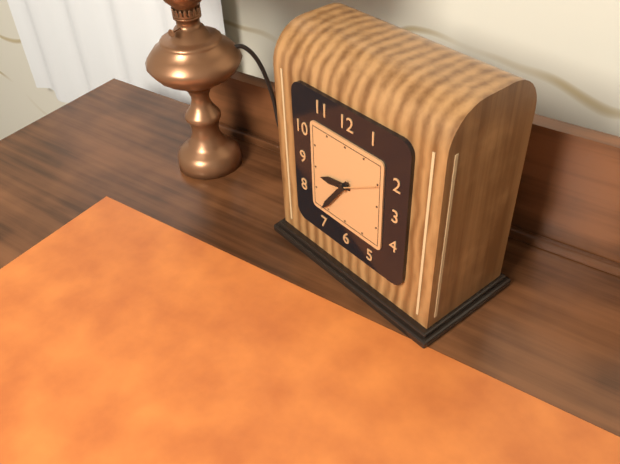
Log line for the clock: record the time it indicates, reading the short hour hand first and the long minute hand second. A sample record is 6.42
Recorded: 8.36
